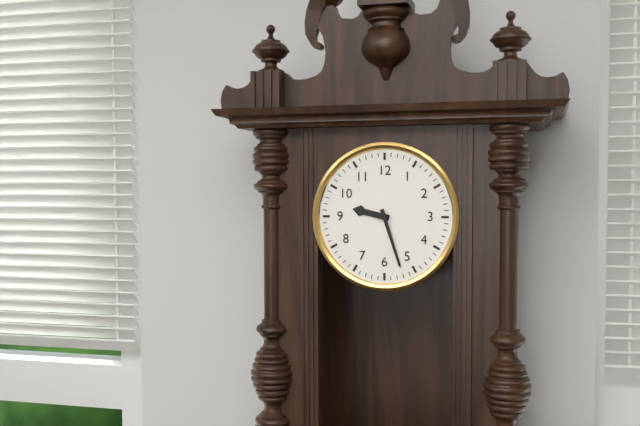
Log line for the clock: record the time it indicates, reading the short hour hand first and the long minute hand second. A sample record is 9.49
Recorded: 9.27
